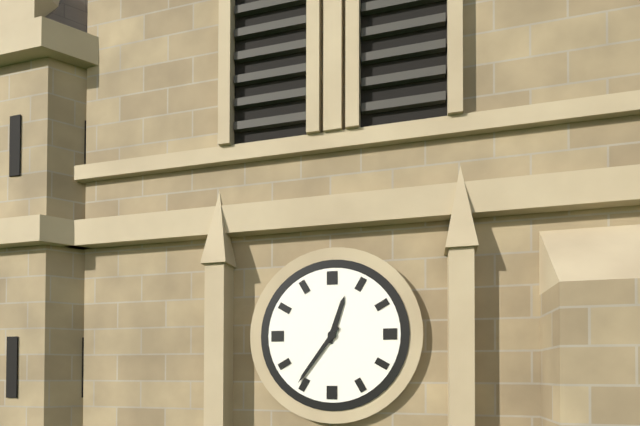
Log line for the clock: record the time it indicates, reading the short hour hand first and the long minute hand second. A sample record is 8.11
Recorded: 12.36
